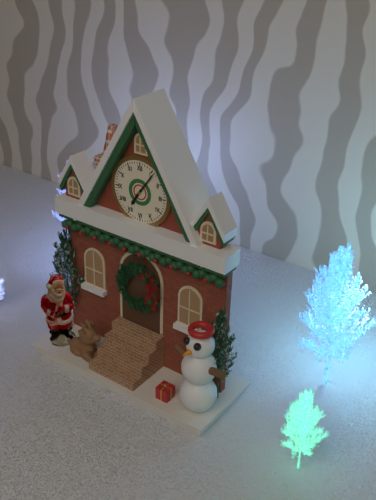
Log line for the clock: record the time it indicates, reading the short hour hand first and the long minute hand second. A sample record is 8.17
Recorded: 7.06
